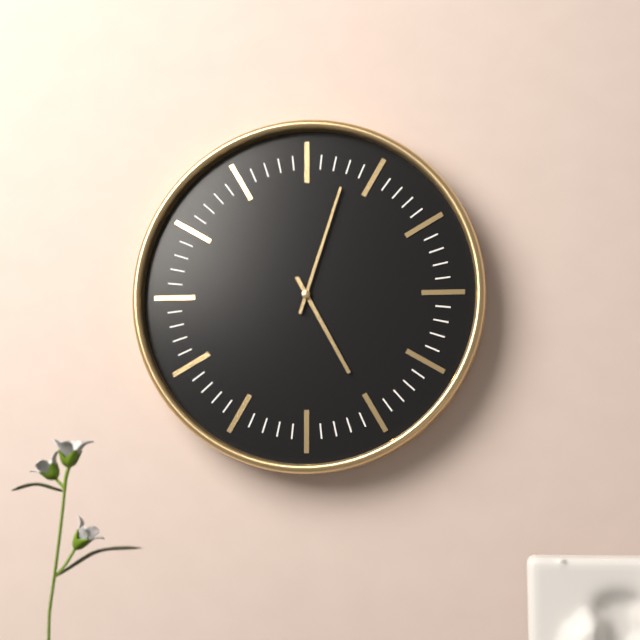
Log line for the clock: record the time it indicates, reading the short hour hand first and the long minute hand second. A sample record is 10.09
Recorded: 5.03
